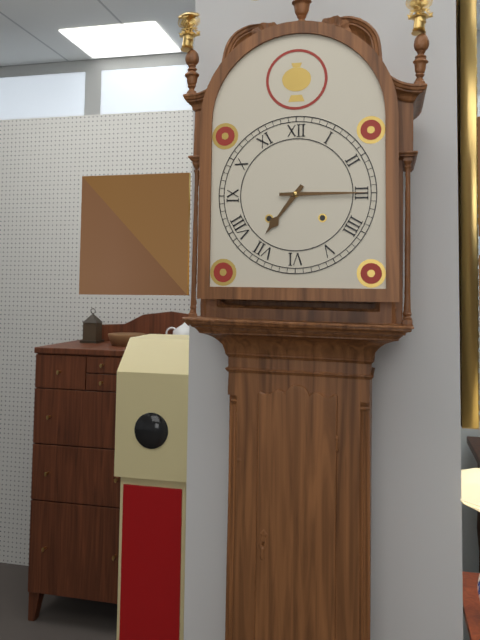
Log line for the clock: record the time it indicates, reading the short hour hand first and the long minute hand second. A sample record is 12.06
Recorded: 7.15
